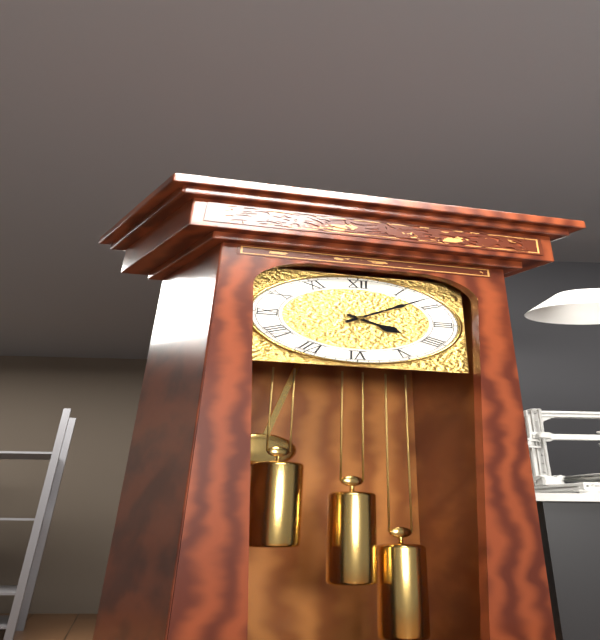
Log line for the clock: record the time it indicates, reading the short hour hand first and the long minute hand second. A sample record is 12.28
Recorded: 4.08
